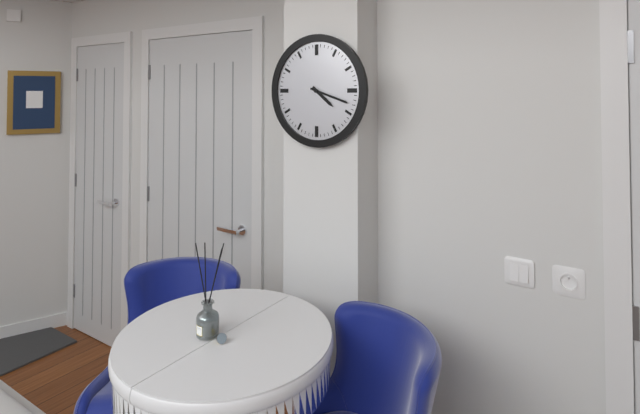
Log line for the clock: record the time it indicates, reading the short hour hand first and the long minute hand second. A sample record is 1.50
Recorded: 4.18
